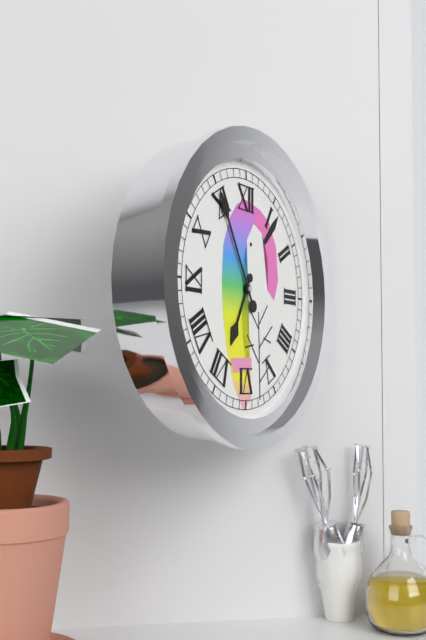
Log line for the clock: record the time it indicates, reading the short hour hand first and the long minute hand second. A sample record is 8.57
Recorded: 6.55
